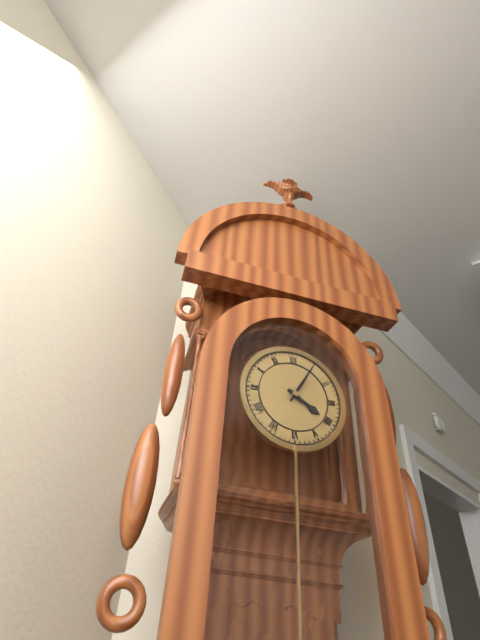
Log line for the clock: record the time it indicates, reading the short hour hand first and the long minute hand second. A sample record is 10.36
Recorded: 4.05
